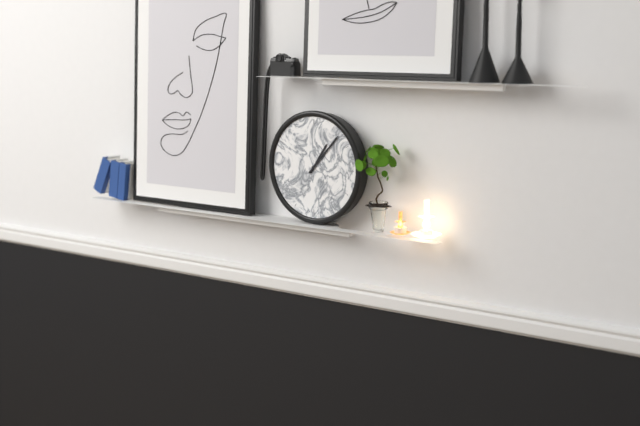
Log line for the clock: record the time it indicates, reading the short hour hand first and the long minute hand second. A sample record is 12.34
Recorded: 1.07
